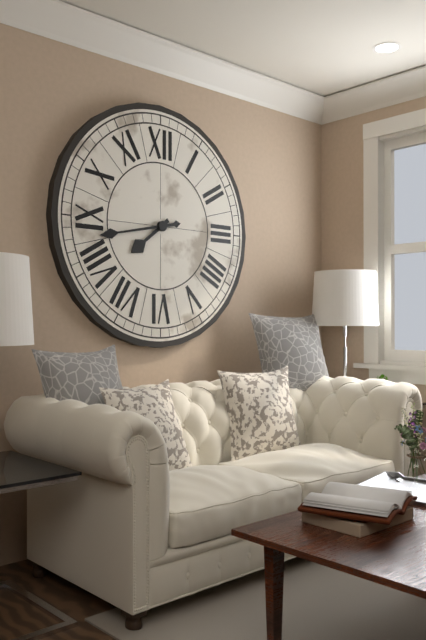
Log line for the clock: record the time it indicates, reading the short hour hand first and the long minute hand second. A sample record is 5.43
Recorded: 7.43
